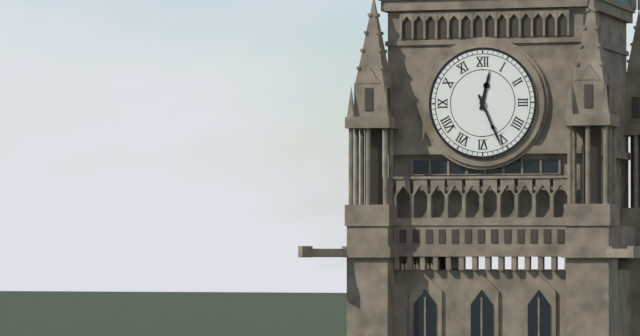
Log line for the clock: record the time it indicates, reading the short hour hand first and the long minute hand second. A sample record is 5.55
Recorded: 12.26
